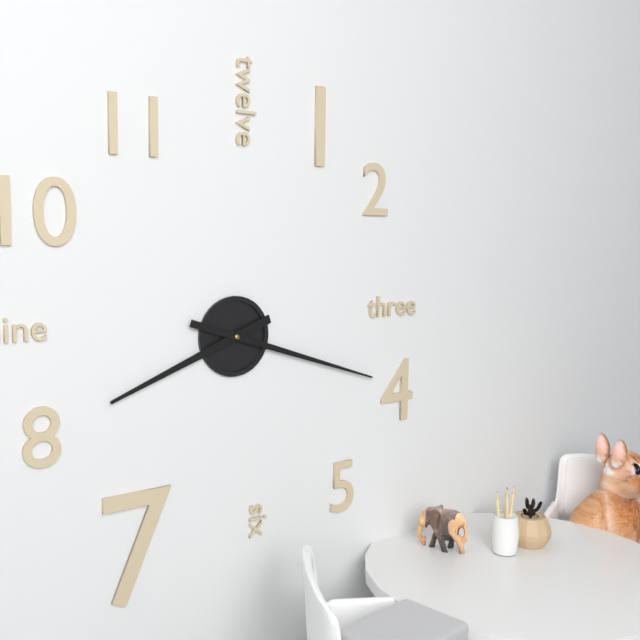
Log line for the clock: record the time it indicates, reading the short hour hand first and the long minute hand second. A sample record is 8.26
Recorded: 8.18
